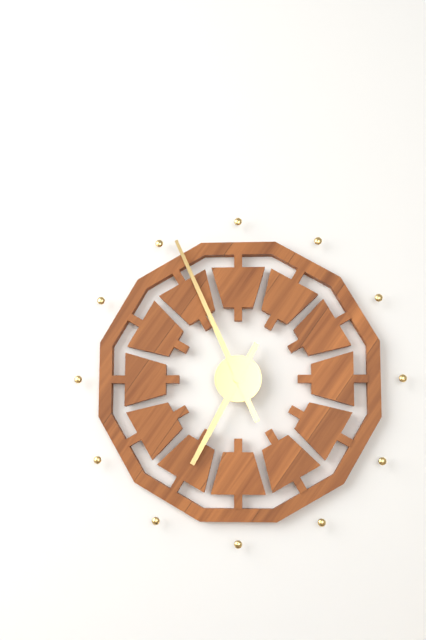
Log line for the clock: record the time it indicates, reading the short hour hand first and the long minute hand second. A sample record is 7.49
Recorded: 6.56
